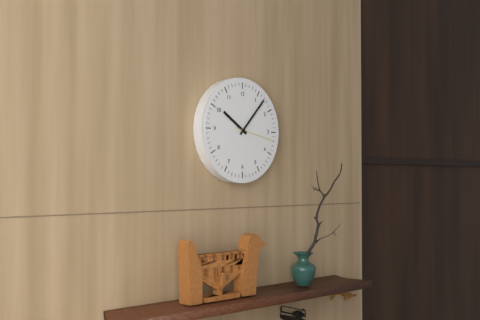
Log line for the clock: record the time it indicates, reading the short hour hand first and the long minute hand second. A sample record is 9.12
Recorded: 10.07
